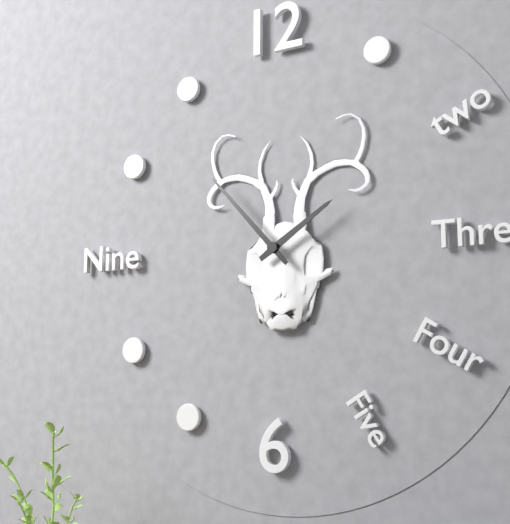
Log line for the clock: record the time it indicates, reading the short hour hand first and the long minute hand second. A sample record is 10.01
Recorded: 1.53
